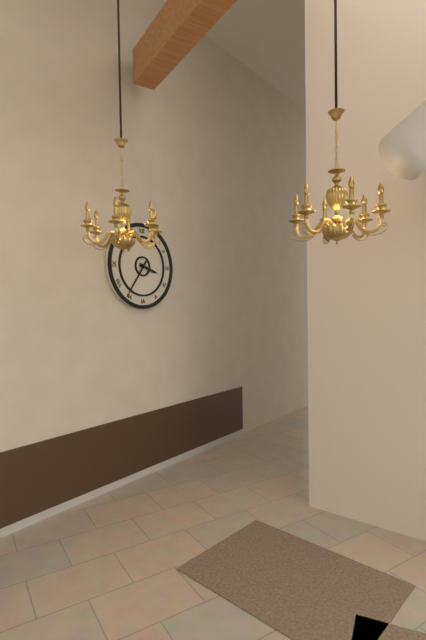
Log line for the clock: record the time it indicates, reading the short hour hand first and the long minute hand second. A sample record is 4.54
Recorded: 3.36
